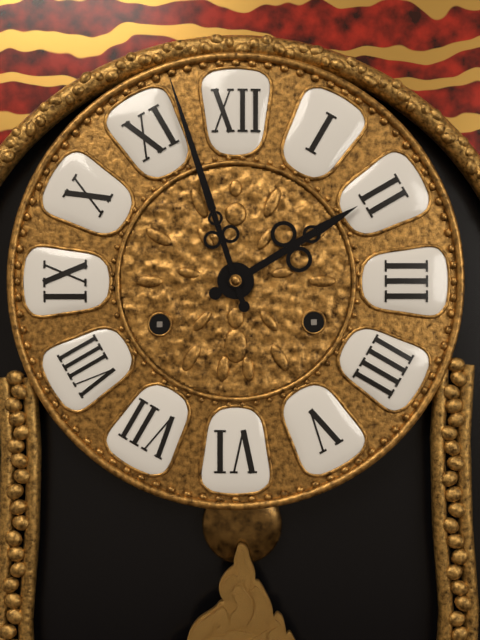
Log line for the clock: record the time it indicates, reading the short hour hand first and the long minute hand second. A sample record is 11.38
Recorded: 1.57
